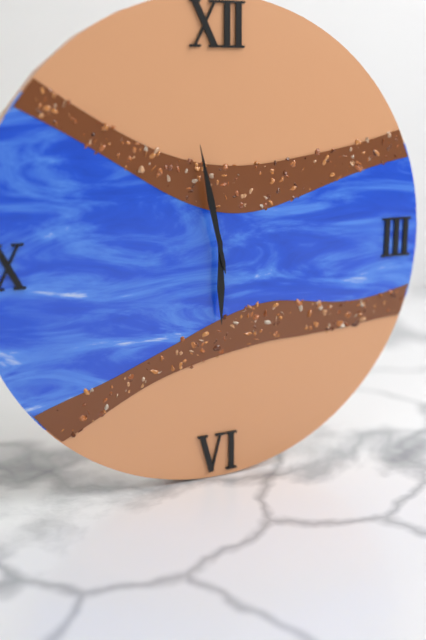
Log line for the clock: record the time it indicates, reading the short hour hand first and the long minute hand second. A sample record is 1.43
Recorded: 5.58
